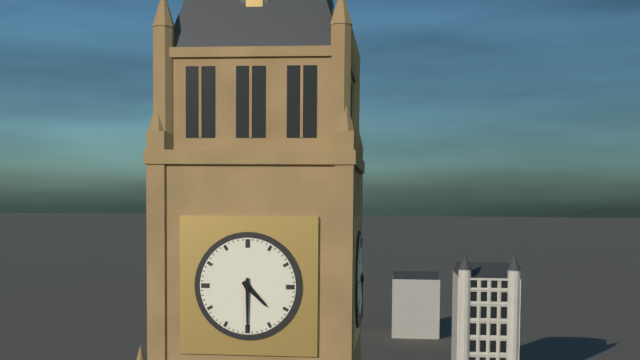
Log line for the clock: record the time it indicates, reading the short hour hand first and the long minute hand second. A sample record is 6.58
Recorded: 4.30
